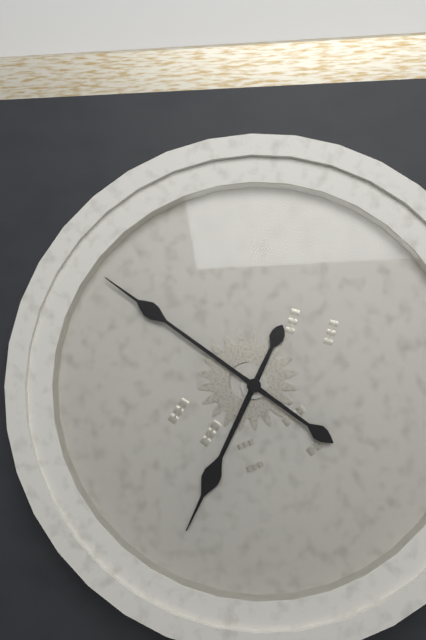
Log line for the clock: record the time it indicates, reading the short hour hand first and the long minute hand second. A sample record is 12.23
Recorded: 6.51
